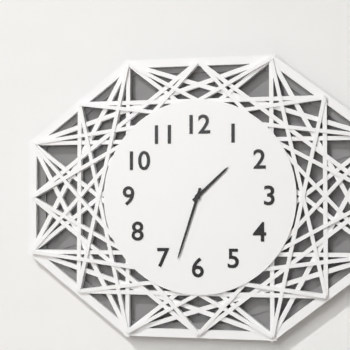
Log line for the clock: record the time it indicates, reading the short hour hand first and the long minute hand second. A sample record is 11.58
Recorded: 1.33
